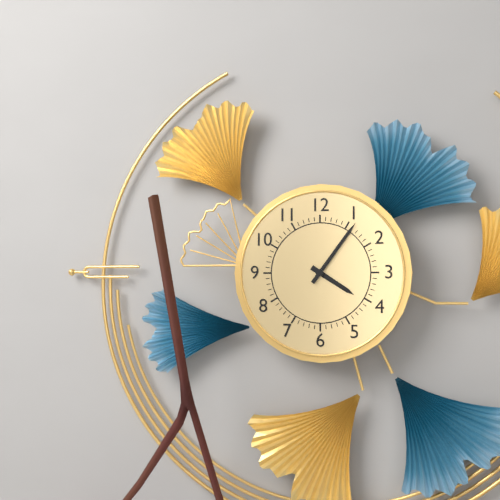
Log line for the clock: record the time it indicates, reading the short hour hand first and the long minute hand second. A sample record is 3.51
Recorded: 4.06
